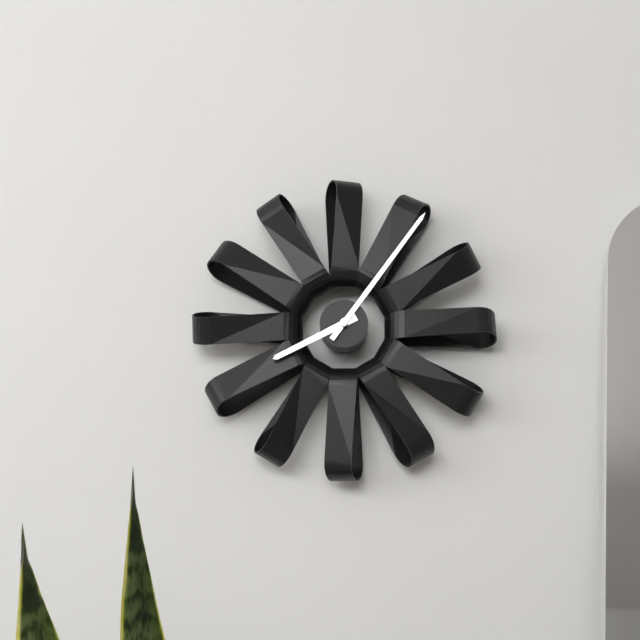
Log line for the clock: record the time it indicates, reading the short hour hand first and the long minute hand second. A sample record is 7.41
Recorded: 8.06
